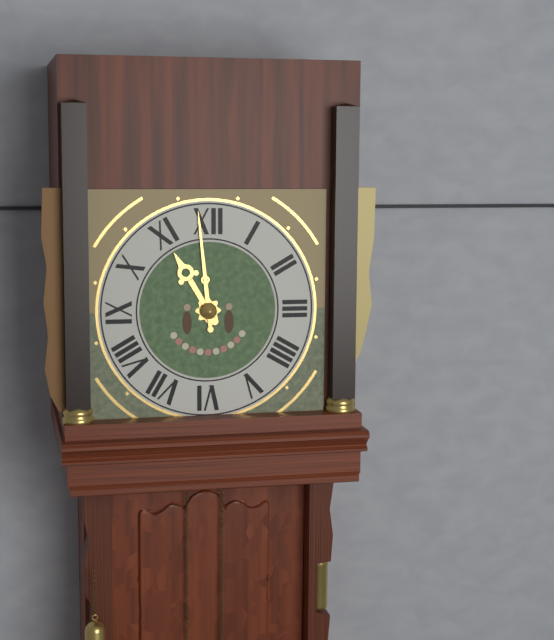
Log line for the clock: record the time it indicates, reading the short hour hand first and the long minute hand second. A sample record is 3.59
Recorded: 10.59
